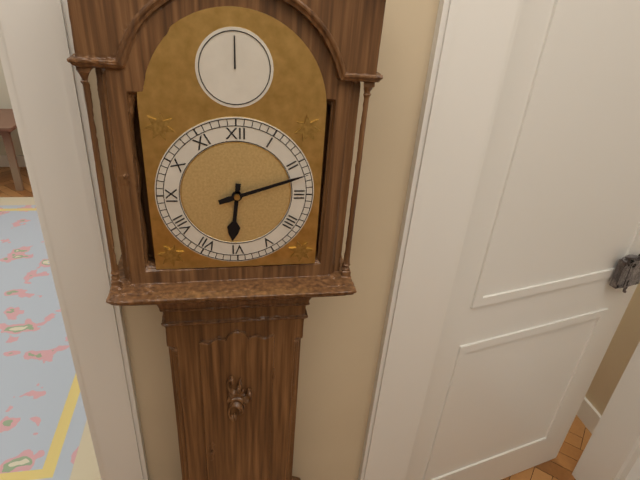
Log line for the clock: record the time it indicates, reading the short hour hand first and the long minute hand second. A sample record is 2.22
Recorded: 6.12
